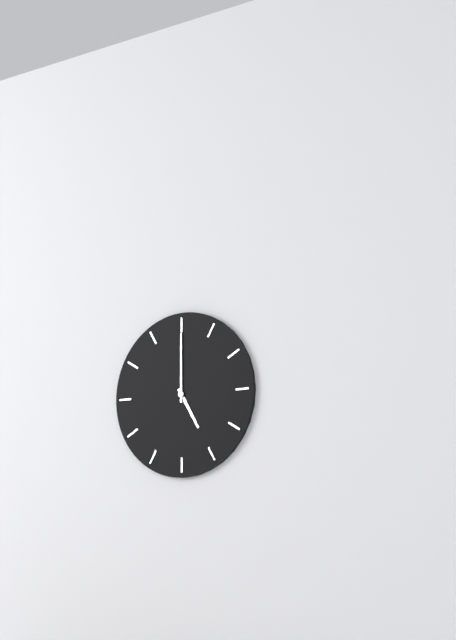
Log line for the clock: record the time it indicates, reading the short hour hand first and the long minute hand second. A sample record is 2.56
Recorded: 5.00
